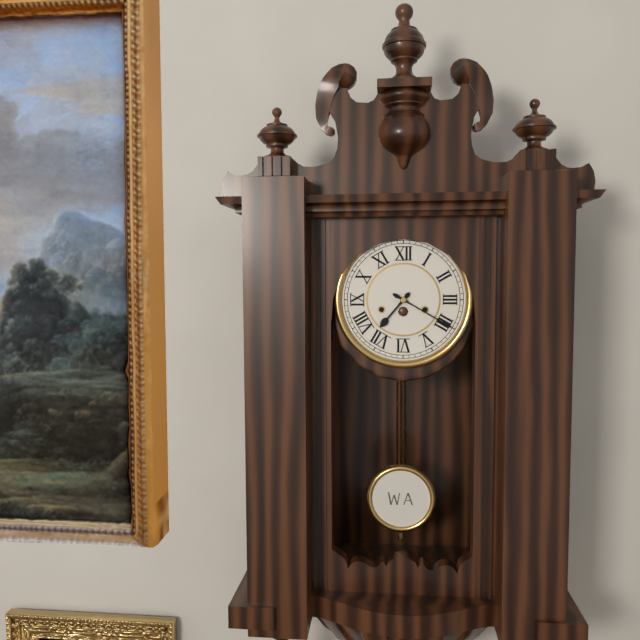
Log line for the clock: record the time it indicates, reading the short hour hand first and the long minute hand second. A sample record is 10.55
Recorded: 7.20
